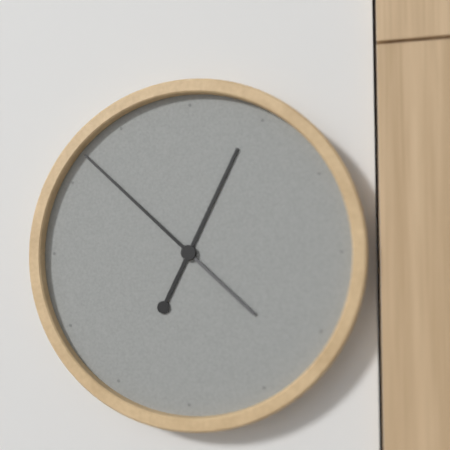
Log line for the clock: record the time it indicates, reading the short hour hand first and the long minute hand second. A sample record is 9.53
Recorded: 12.52
